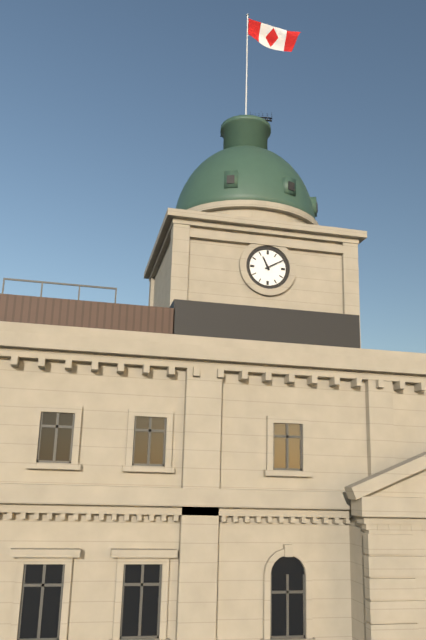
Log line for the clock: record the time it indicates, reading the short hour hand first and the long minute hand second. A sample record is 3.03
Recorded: 11.10
